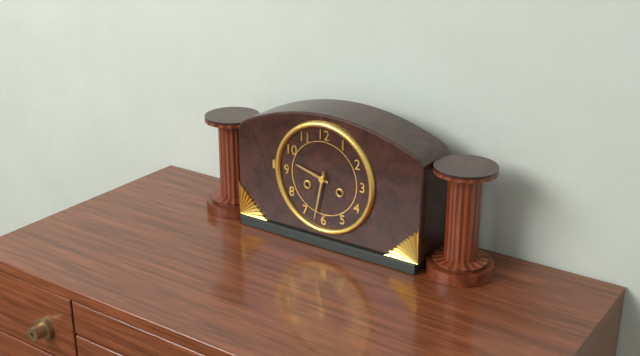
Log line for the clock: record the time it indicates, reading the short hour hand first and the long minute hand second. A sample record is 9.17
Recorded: 9.32
